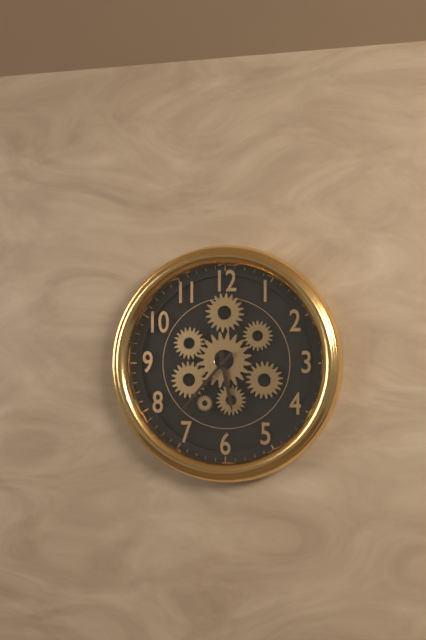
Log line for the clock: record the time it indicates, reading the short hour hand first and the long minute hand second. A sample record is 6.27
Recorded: 5.37
